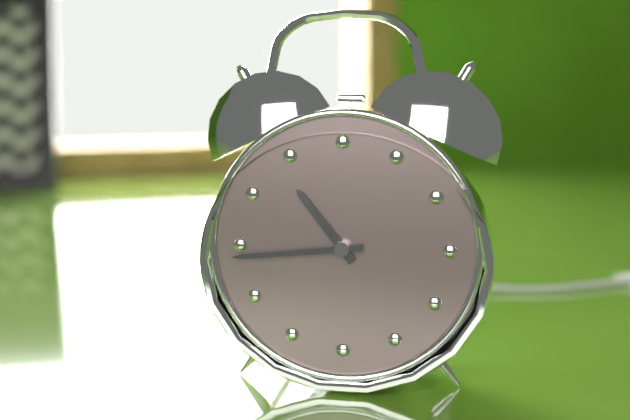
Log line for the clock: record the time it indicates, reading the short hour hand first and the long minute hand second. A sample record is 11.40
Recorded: 10.44
